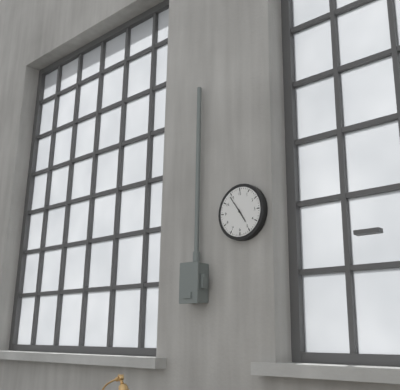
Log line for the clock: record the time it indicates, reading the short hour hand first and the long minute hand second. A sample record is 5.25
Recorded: 4.54
